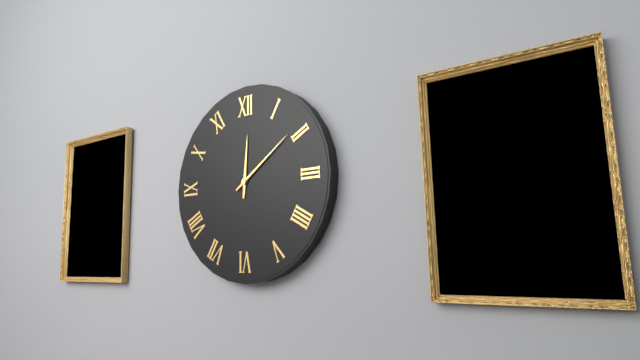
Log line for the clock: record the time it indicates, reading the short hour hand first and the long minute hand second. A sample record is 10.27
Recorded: 12.09
